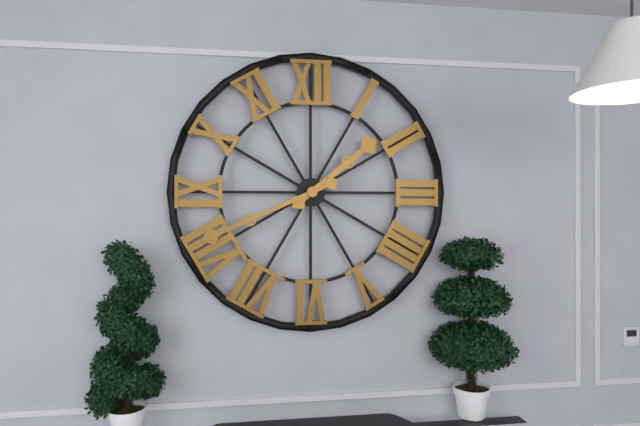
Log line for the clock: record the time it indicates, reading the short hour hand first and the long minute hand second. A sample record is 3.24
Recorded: 1.41
